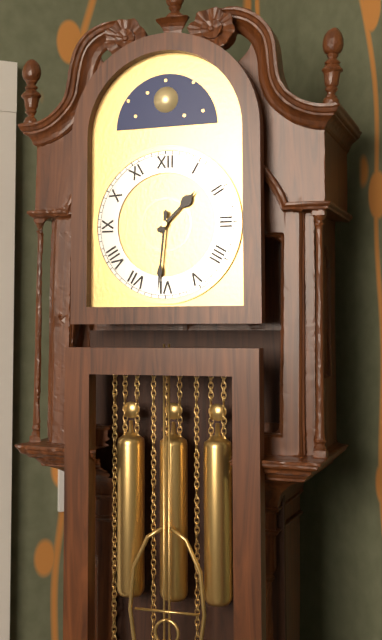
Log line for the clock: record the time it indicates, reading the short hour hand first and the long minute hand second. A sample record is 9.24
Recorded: 1.31
